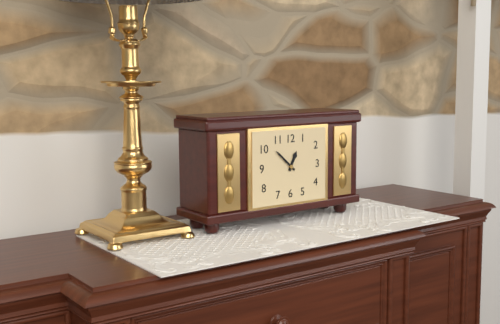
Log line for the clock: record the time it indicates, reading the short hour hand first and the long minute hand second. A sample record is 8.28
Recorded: 12.52
